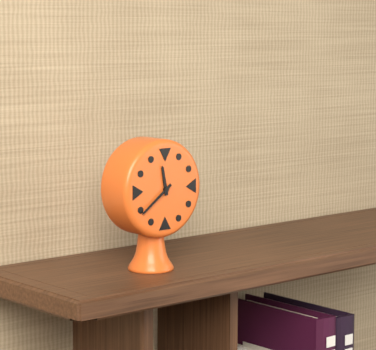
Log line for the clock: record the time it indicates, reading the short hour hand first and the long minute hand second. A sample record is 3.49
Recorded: 11.39
